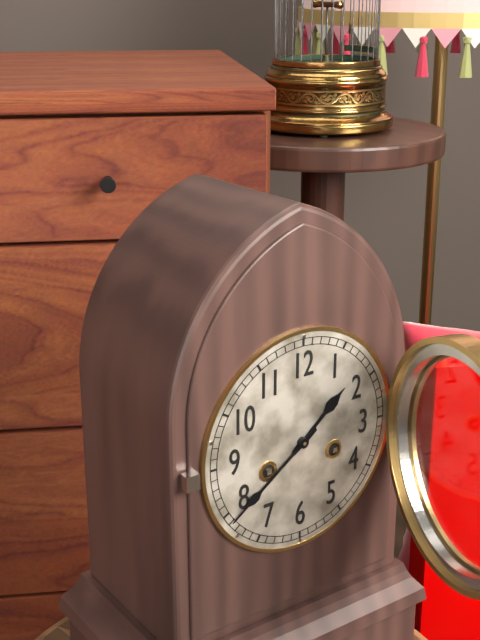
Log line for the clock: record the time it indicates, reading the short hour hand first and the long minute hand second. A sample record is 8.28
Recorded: 1.39
